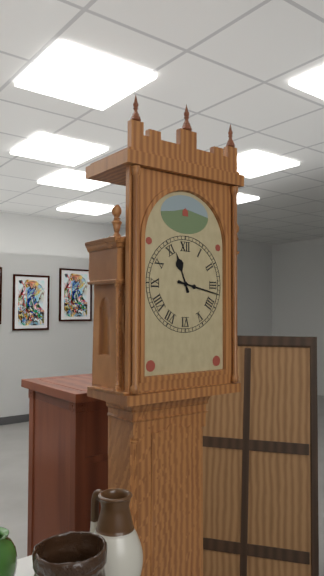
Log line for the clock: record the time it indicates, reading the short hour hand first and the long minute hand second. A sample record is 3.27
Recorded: 11.17
